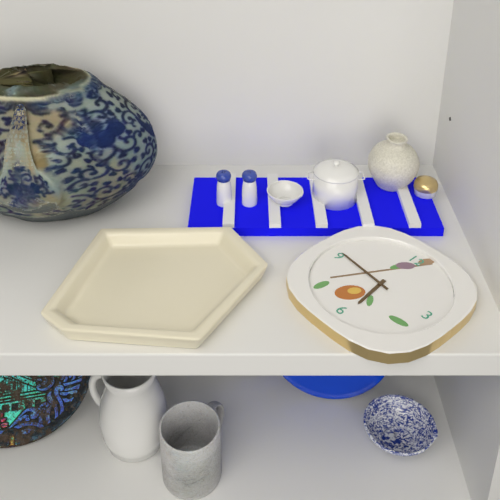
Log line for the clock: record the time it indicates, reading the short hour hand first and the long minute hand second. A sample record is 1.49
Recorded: 5.46
